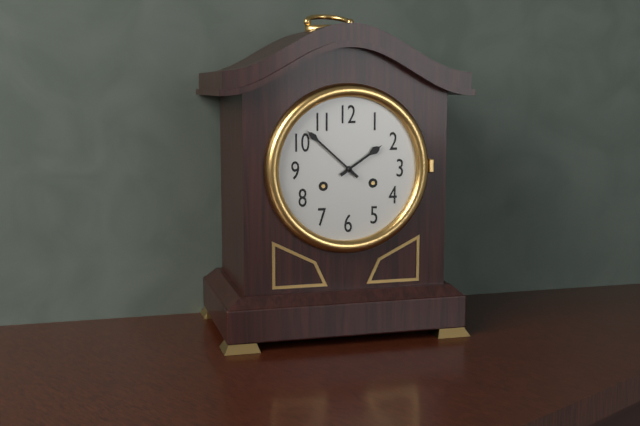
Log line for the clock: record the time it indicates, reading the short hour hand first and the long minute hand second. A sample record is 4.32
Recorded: 1.52
